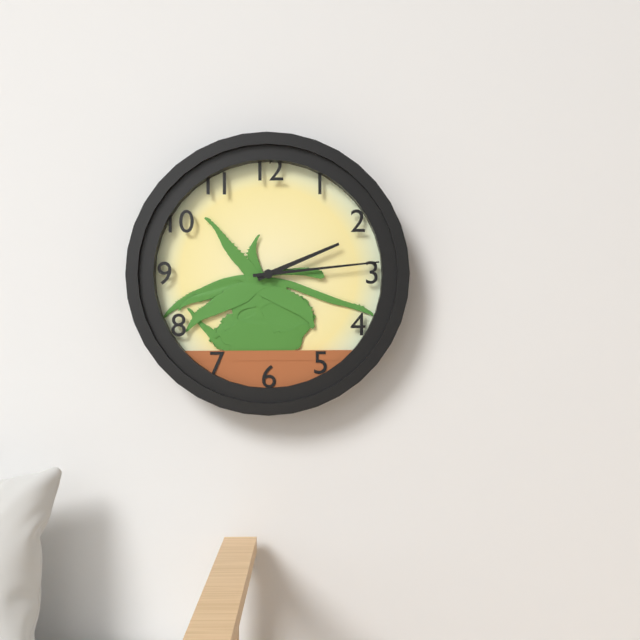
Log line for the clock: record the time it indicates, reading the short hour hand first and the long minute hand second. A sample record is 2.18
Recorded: 2.14
